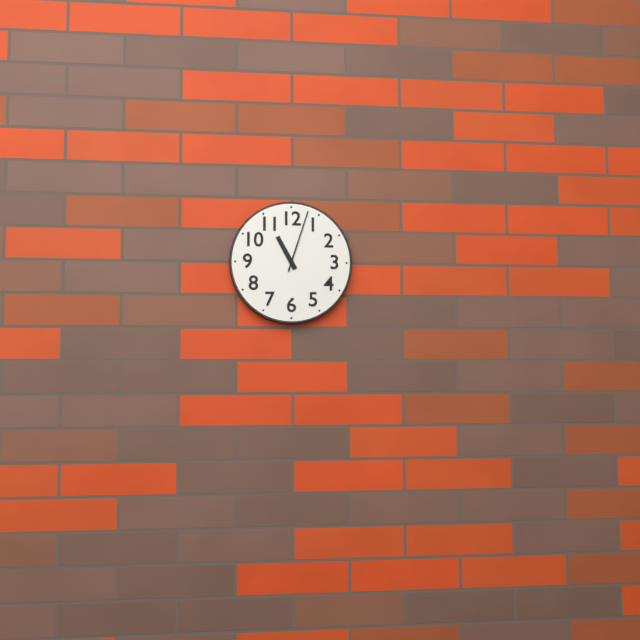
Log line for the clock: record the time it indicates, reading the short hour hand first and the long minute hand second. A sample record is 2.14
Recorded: 11.03
